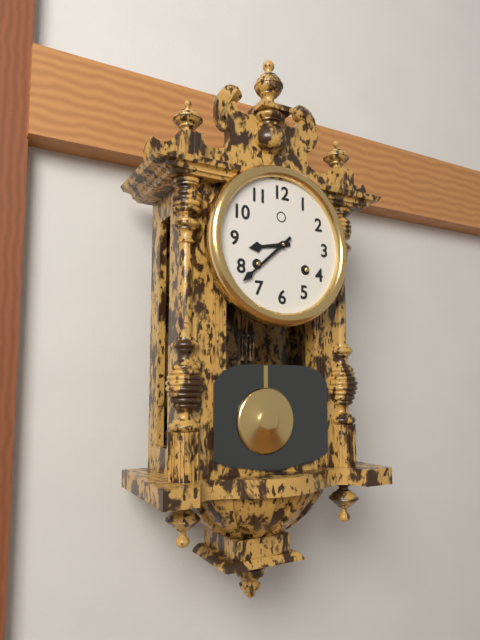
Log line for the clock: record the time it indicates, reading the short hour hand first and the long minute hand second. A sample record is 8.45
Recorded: 8.38
